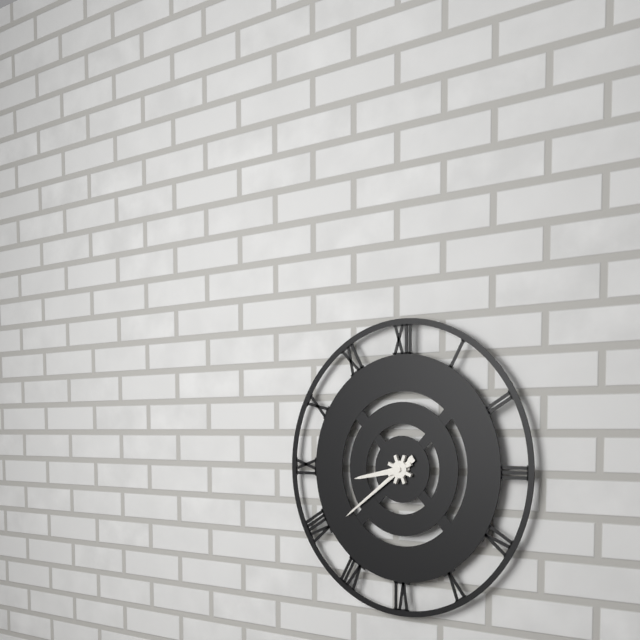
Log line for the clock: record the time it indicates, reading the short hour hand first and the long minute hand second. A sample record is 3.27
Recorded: 8.39
